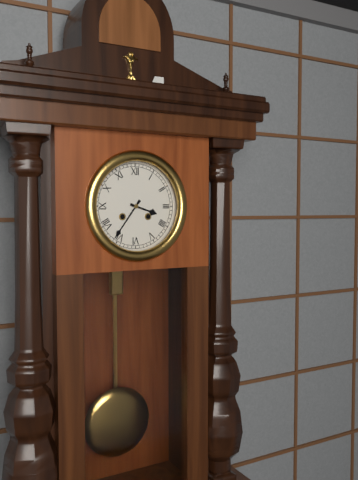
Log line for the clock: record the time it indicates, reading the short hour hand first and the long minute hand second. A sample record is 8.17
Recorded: 3.36
